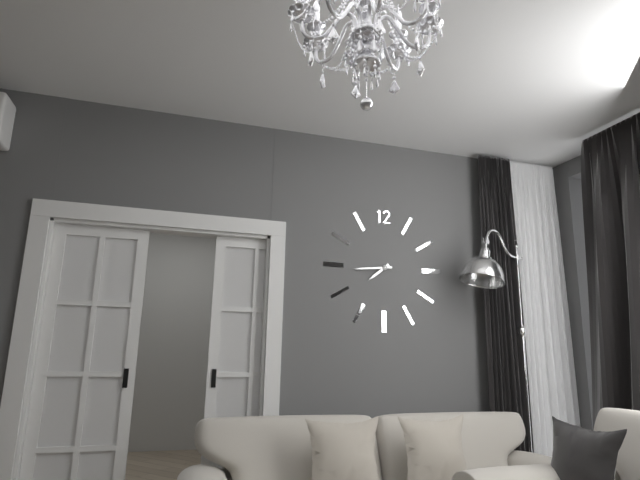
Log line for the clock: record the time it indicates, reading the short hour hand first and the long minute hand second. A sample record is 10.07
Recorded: 7.44
